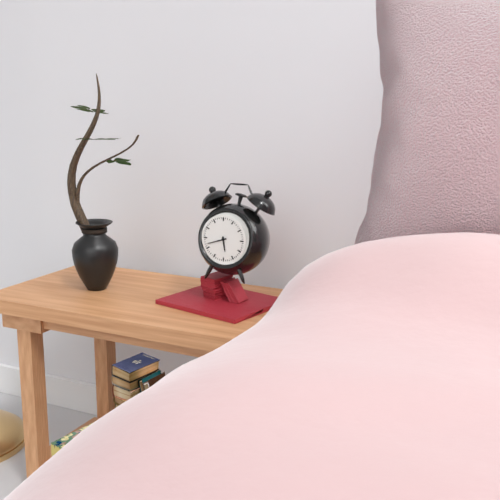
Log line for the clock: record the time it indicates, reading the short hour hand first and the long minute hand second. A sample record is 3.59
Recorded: 5.42
